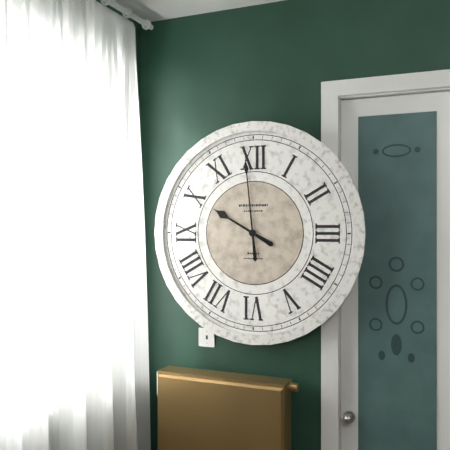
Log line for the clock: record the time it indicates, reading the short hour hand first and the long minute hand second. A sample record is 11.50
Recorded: 9.59
